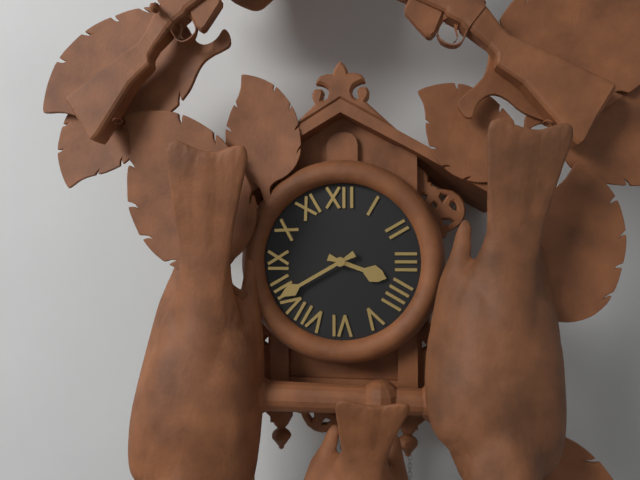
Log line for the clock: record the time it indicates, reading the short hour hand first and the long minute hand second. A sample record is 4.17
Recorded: 3.40
